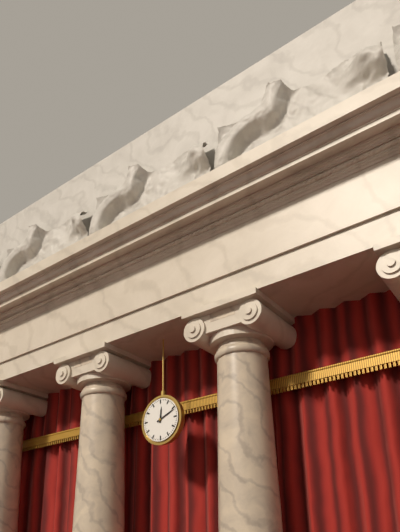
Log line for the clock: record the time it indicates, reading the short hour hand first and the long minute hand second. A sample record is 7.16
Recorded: 12.11
